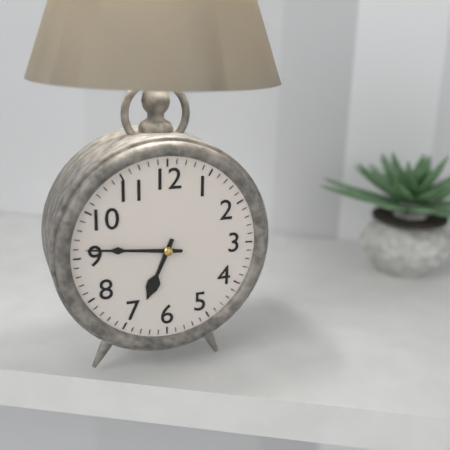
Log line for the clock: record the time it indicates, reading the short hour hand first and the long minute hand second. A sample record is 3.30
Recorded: 6.46
